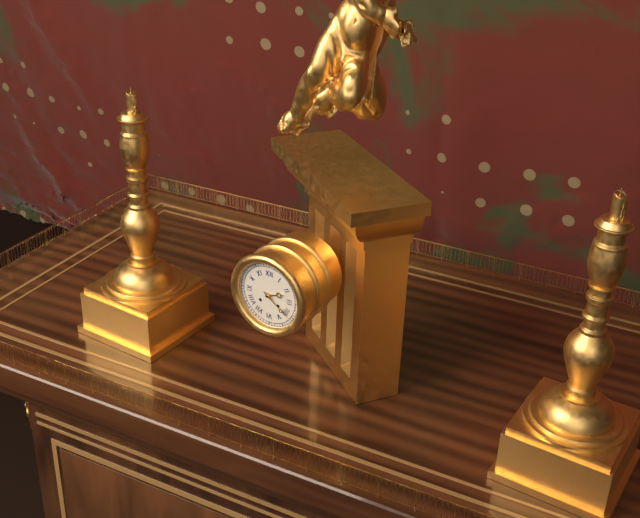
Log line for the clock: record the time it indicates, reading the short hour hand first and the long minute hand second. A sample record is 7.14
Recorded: 2.21
